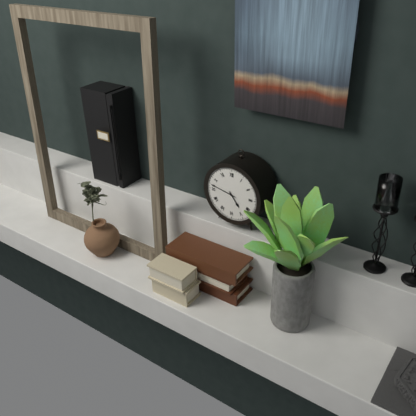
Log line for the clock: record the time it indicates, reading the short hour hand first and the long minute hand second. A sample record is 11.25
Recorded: 4.47
